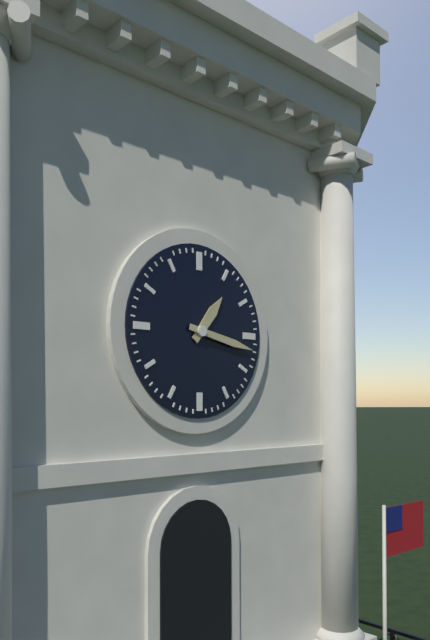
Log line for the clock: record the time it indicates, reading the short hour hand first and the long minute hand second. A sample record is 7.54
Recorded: 1.17
